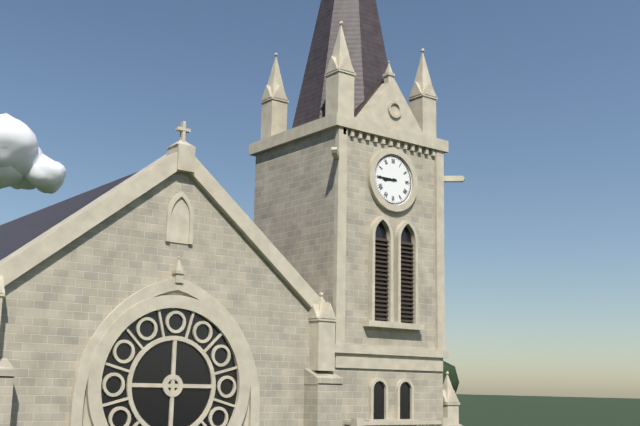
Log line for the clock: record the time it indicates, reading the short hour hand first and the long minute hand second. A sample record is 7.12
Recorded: 8.45
